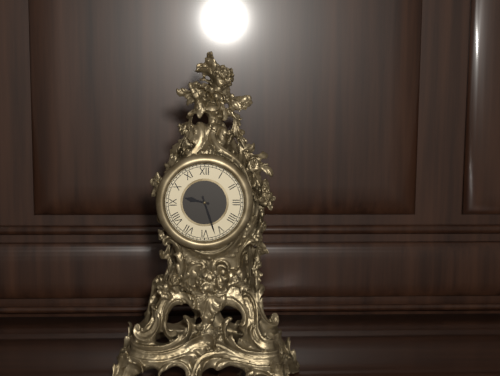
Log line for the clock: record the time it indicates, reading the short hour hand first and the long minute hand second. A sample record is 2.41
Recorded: 9.27
